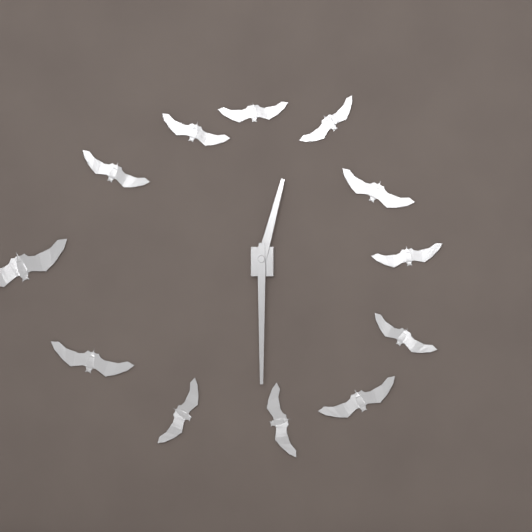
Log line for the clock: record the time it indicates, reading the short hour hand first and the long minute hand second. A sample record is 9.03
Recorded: 12.30
